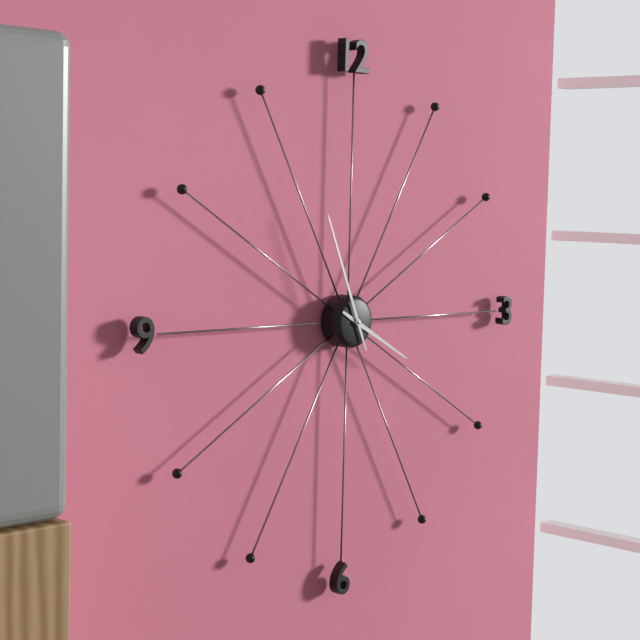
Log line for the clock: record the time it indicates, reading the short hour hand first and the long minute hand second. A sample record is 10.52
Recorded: 3.56
